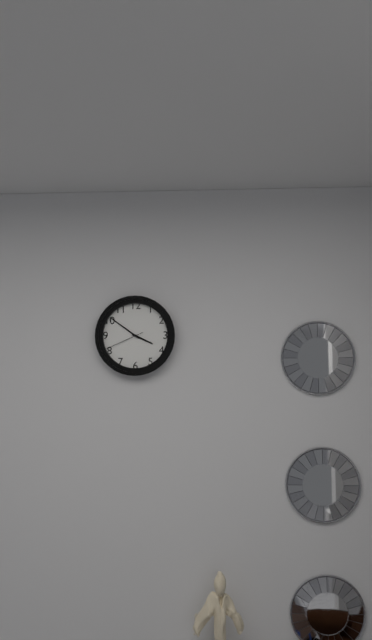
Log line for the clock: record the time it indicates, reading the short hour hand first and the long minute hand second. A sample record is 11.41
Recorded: 3.51
